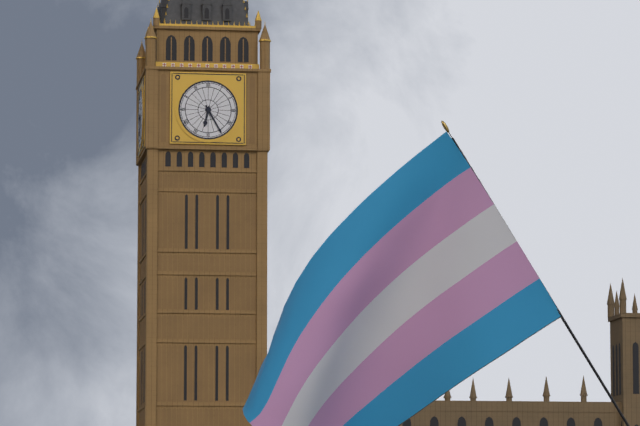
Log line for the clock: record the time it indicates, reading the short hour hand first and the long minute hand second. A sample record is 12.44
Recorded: 6.25
